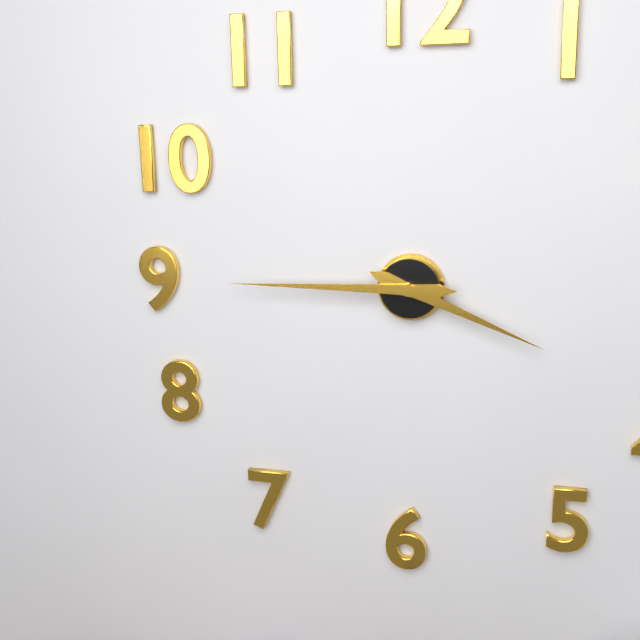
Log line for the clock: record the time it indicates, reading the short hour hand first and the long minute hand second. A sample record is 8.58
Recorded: 3.45
